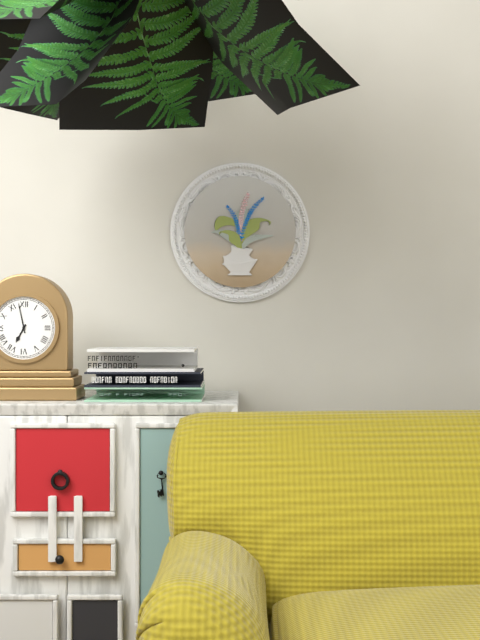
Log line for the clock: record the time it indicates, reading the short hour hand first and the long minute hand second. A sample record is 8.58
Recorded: 6.58
